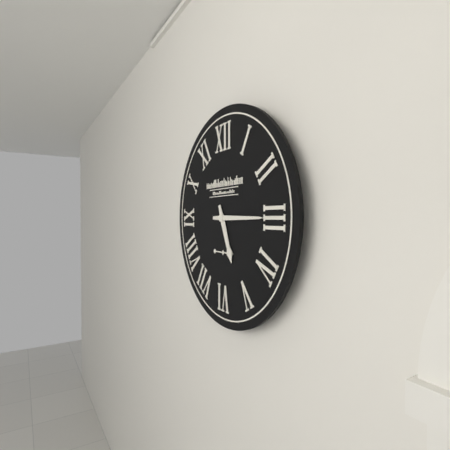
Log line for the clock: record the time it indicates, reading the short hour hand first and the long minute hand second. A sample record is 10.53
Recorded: 5.15
